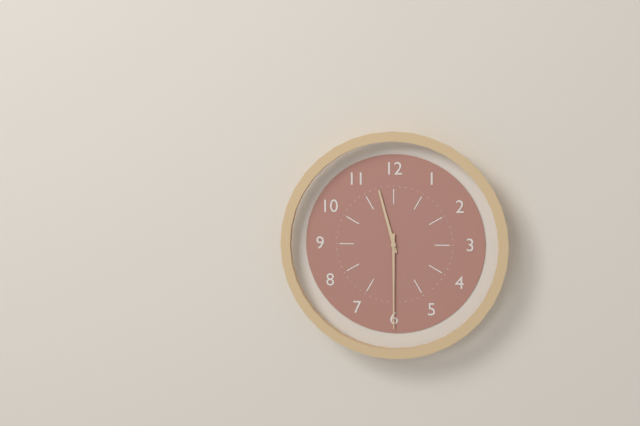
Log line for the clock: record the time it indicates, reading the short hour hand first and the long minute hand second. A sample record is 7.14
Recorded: 11.30
